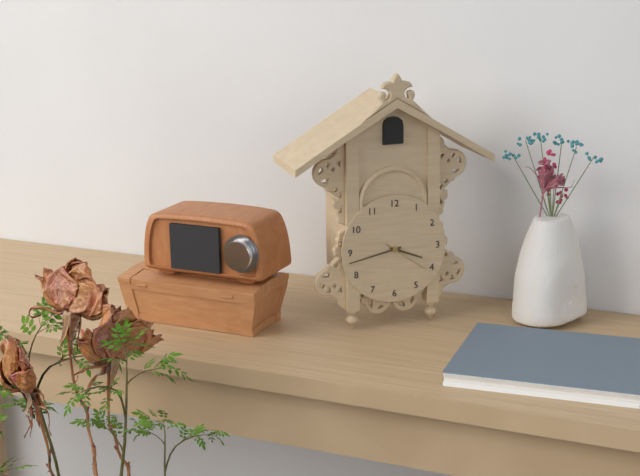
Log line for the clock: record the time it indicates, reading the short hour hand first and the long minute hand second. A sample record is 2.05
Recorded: 3.43
